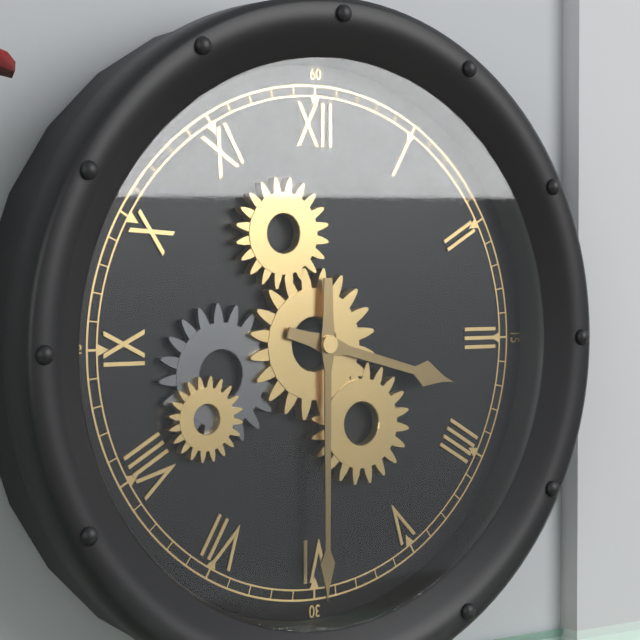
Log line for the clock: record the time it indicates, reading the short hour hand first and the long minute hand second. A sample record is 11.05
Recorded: 3.30
